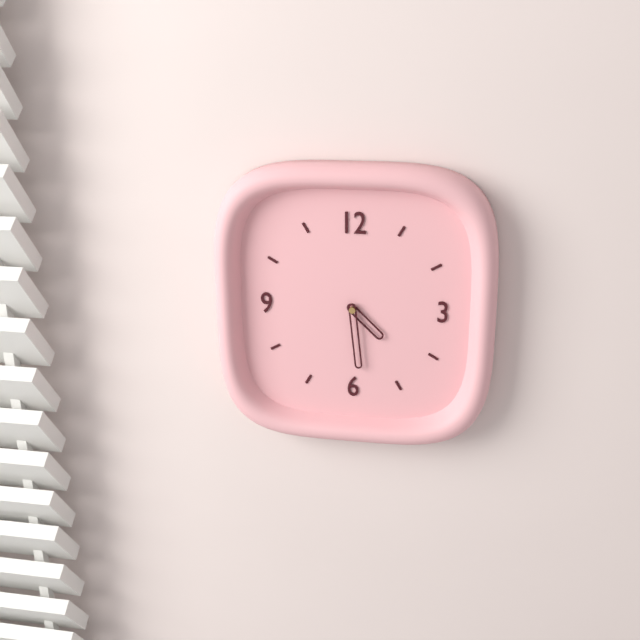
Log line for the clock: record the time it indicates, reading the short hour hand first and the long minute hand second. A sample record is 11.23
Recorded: 4.29
